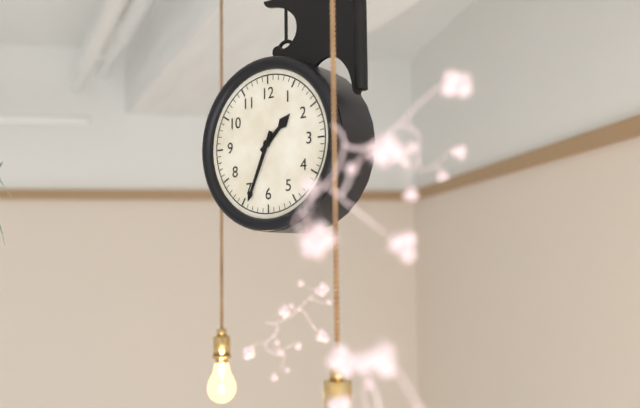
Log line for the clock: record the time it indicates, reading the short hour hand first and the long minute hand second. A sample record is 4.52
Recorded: 1.34
